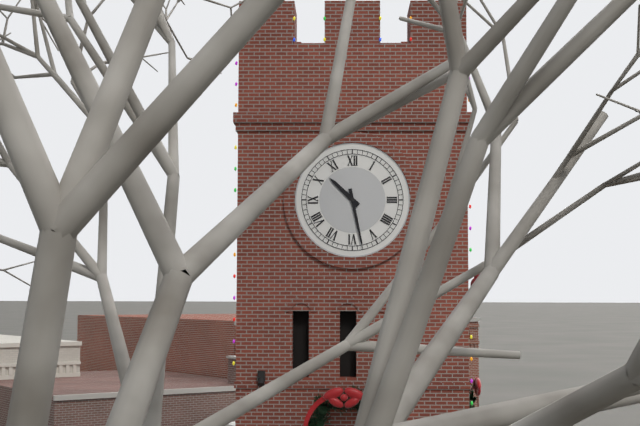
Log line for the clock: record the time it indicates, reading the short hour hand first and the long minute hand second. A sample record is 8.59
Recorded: 10.28
